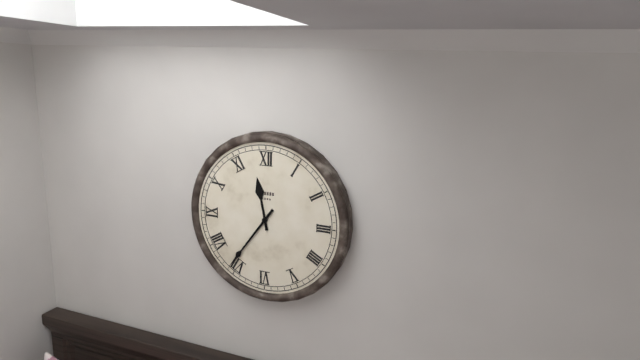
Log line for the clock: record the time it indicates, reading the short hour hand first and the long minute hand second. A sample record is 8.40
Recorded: 11.36
